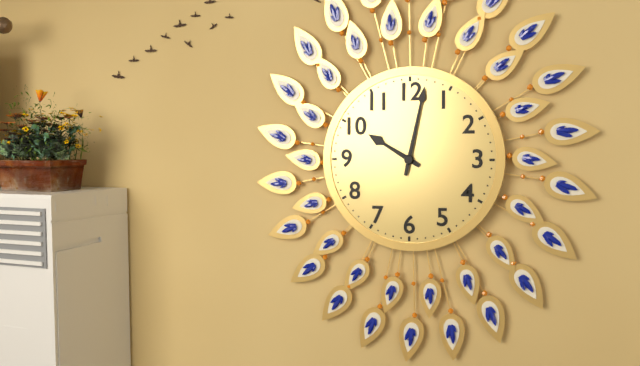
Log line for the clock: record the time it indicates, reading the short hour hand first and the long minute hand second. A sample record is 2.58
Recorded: 10.02
